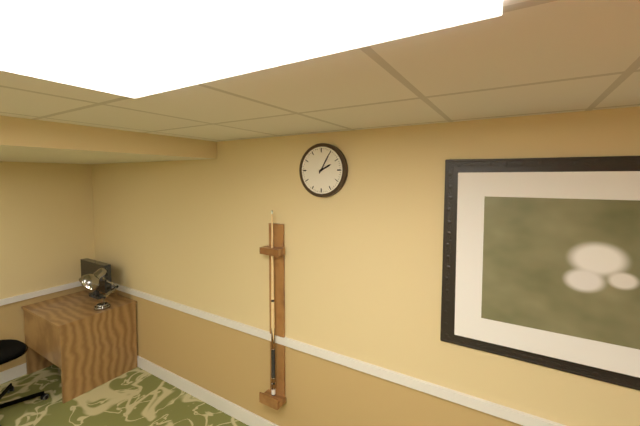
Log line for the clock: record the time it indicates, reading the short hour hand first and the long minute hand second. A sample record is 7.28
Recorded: 2.05
